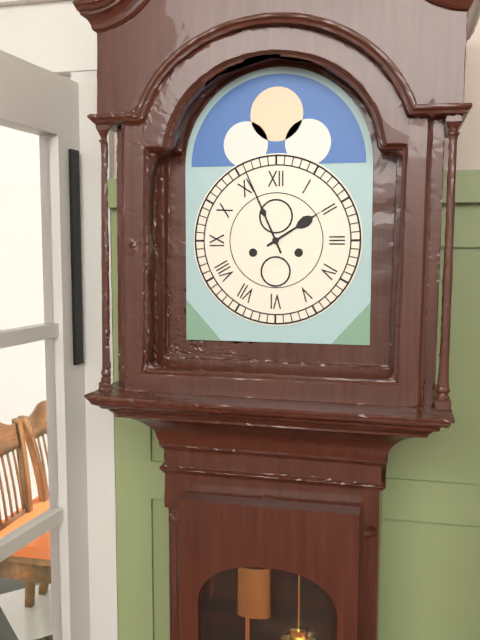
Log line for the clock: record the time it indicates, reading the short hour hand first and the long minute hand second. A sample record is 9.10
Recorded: 1.56
